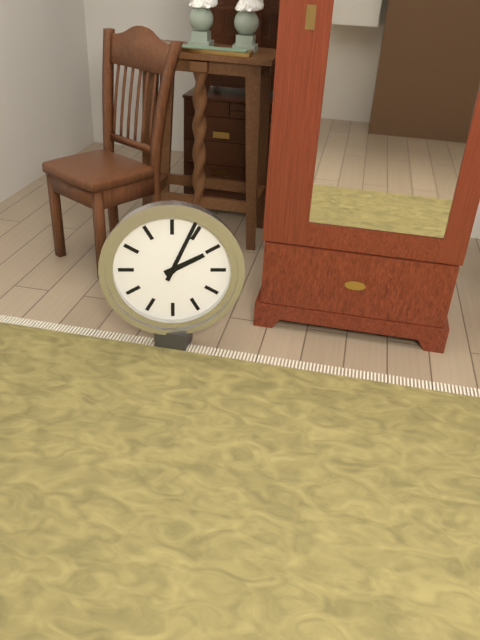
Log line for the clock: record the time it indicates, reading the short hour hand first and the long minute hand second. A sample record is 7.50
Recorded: 2.04
